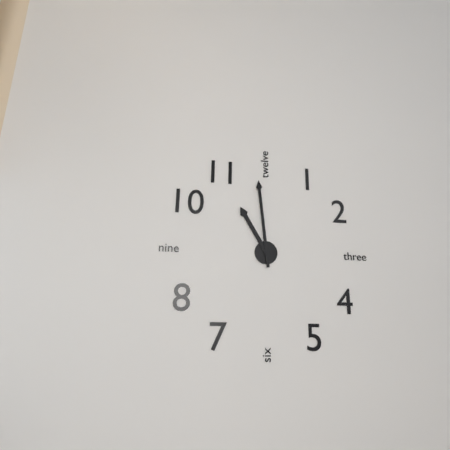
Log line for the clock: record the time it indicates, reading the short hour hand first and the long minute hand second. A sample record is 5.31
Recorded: 10.59
